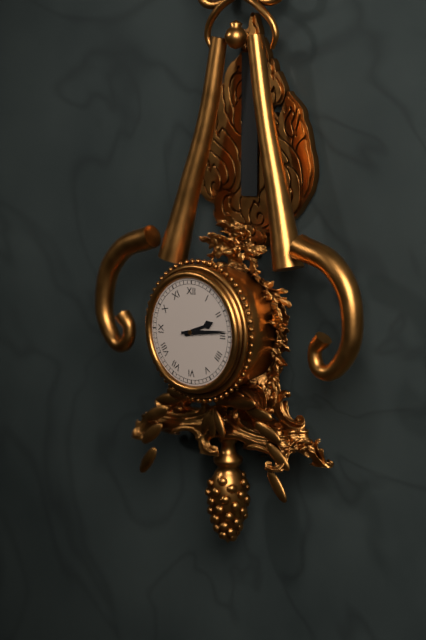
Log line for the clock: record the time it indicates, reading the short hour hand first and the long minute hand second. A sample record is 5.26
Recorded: 2.14
